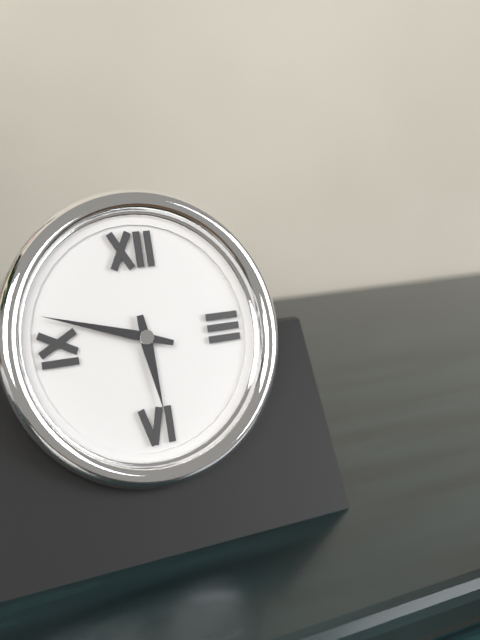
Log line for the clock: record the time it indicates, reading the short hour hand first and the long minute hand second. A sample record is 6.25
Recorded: 5.48
